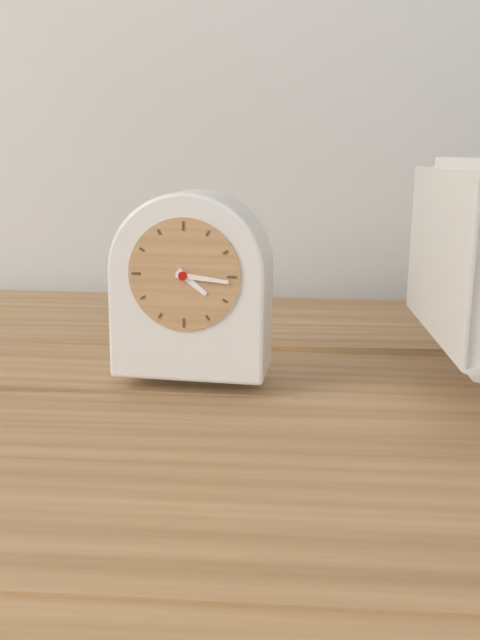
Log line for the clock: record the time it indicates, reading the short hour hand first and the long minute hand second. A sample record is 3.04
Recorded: 4.16
